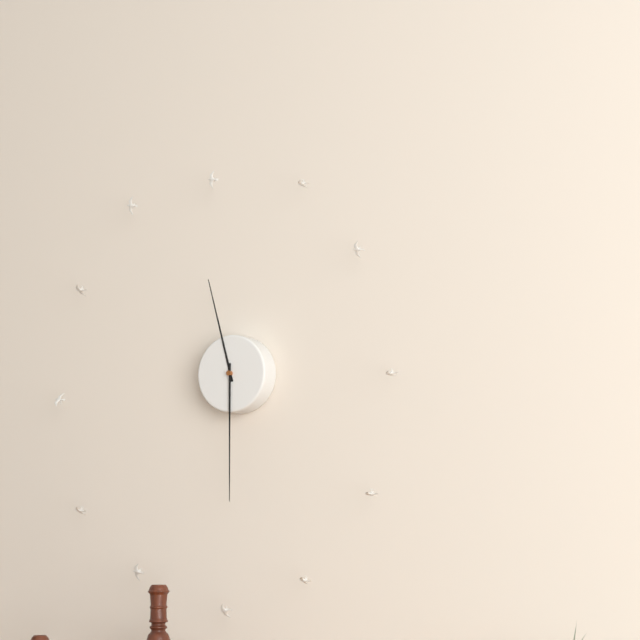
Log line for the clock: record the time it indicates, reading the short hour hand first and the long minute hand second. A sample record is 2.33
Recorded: 11.30
